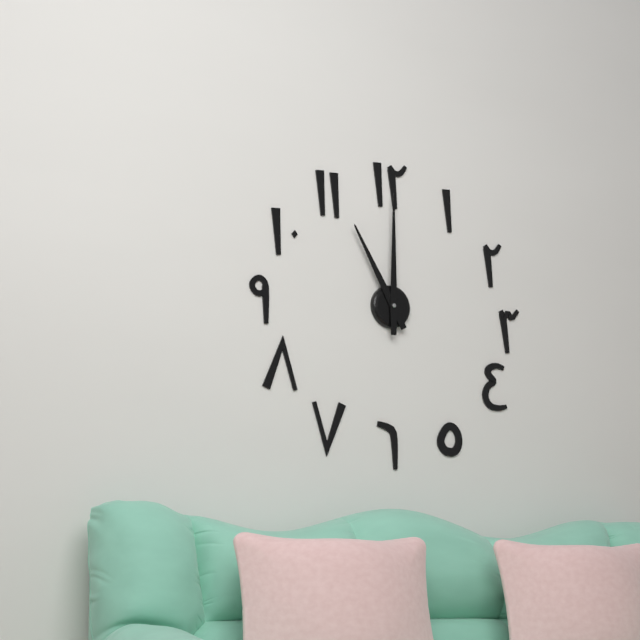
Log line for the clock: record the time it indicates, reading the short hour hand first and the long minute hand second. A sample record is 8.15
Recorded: 11.00
